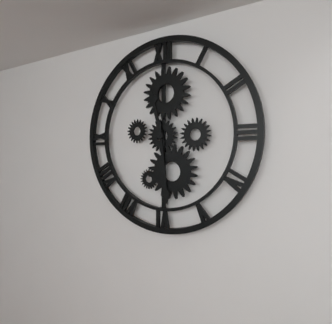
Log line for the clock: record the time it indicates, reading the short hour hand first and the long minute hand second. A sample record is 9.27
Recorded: 11.29
